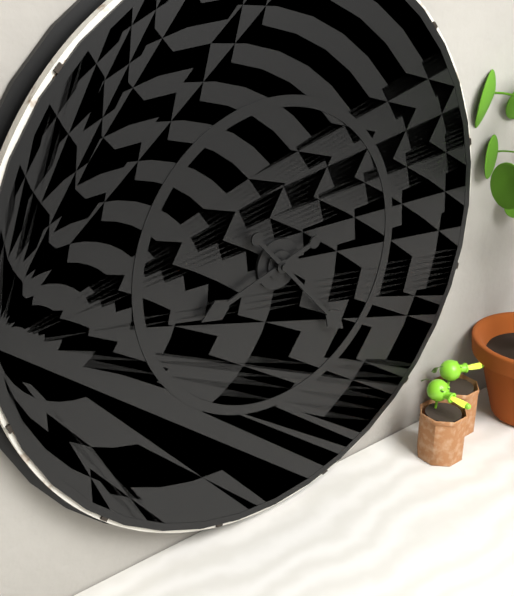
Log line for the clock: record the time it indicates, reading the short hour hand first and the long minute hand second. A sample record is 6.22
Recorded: 8.23
